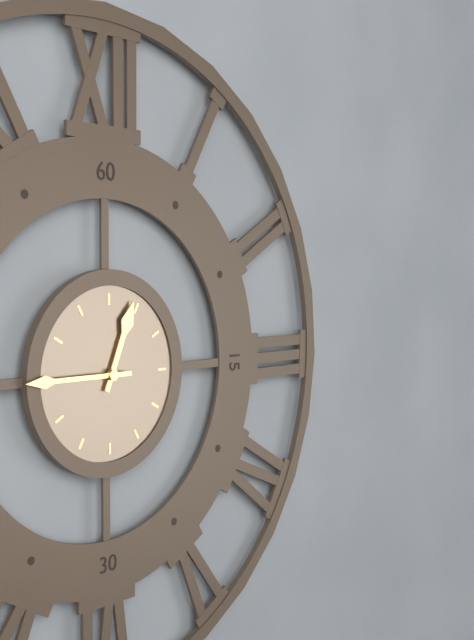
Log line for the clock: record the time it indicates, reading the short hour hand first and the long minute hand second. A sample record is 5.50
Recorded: 12.45
